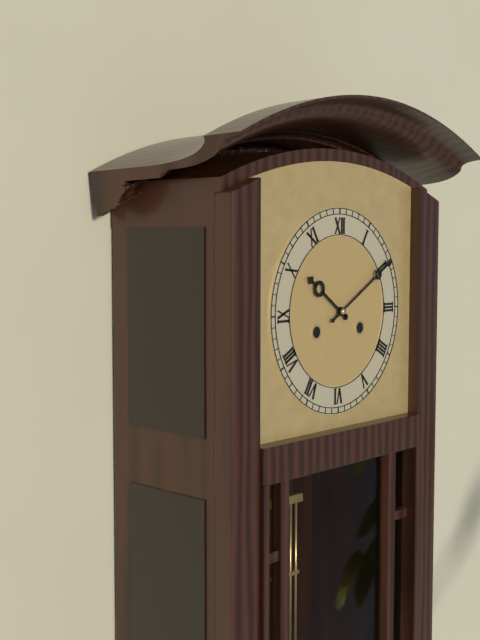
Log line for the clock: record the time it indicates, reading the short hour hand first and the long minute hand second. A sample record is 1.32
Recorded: 10.10
